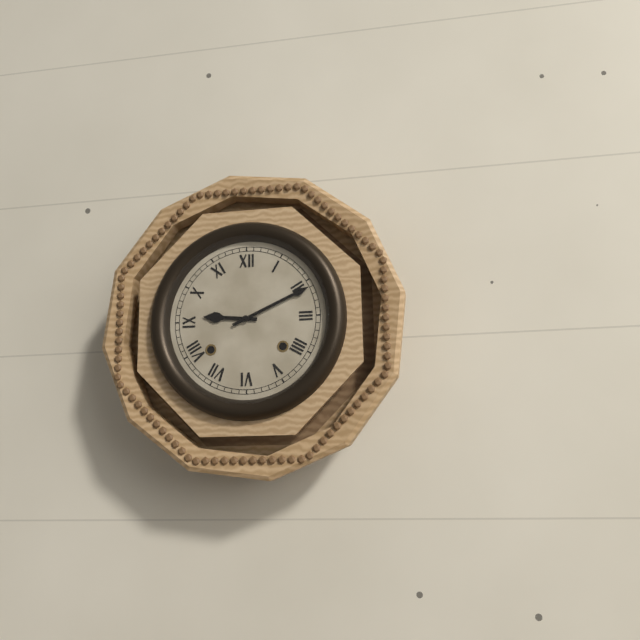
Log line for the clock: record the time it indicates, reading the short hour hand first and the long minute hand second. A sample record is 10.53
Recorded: 9.11
